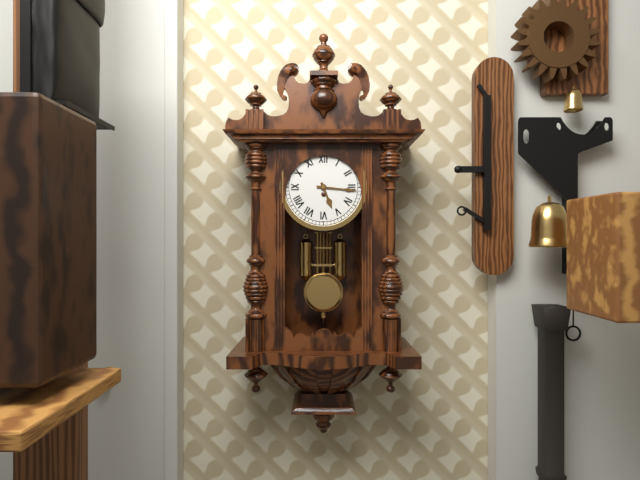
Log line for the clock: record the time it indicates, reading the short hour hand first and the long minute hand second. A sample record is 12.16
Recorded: 5.16
